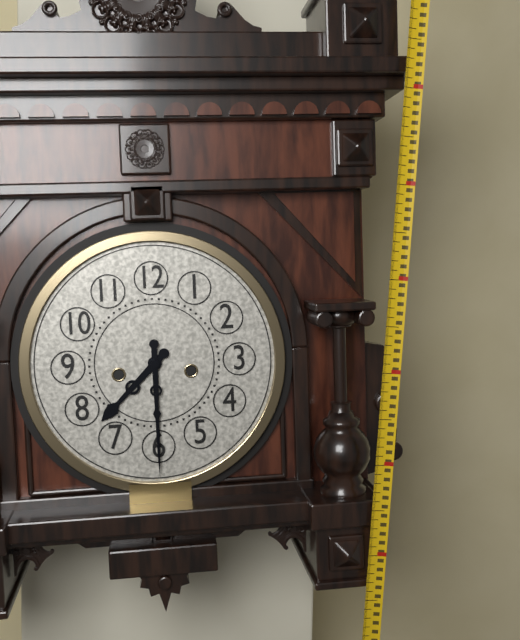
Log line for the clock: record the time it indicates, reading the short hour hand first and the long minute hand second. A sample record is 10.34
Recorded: 7.30
